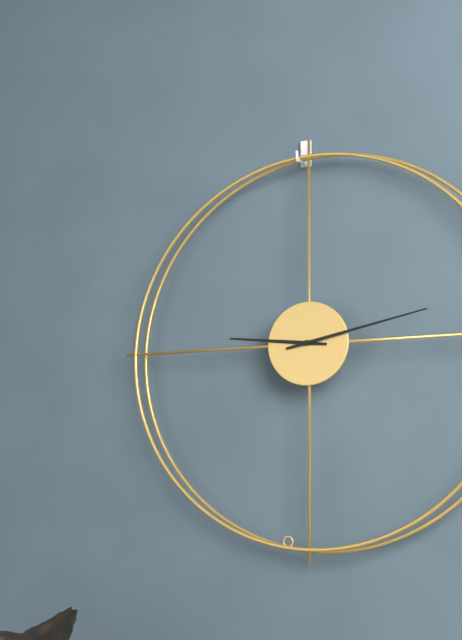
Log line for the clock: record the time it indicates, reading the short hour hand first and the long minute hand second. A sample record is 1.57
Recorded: 9.13
